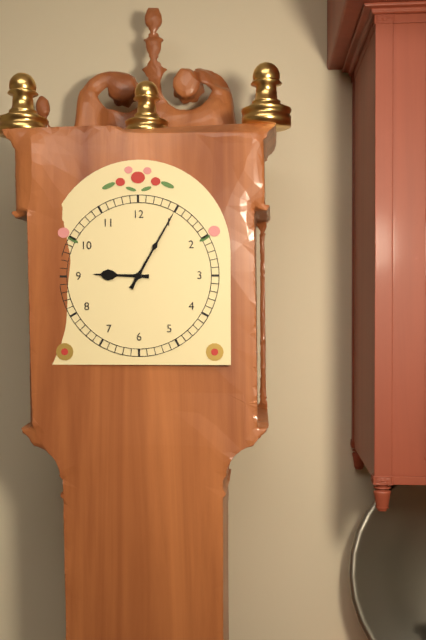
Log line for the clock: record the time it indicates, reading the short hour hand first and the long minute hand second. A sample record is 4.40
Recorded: 9.05
